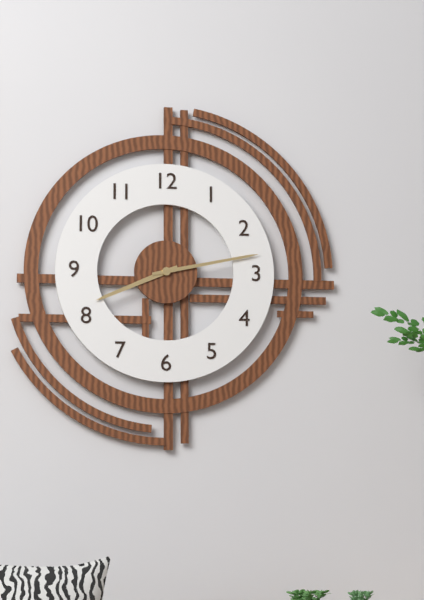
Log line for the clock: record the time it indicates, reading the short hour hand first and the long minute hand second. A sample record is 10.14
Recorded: 8.13
